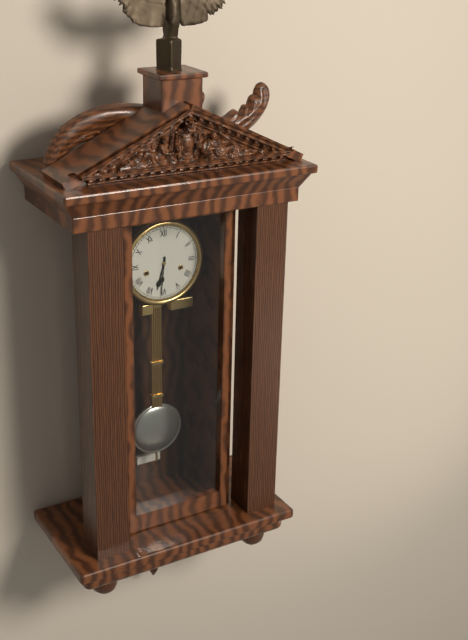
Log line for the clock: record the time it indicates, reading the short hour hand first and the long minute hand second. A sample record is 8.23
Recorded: 6.31
